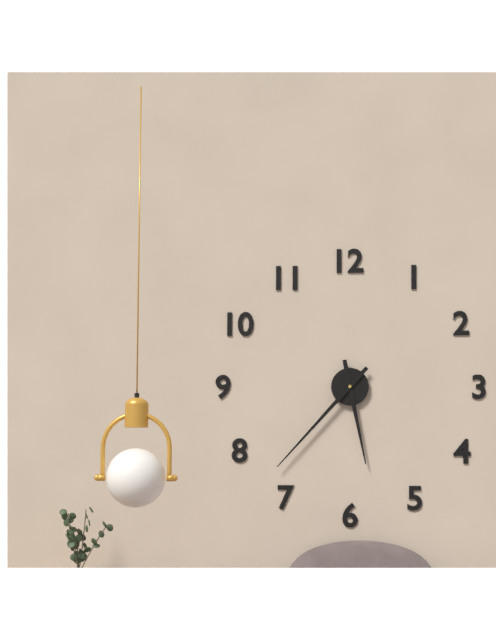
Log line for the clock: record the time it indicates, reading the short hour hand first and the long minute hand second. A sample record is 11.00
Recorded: 5.37
